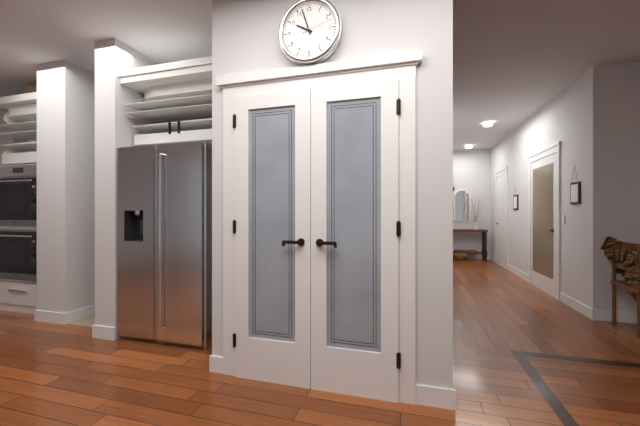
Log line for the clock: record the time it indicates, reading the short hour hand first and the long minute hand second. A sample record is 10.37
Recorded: 9.57
